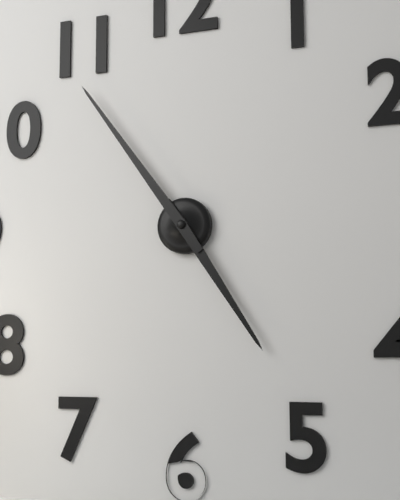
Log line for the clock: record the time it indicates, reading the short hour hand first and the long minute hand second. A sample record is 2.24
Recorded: 4.54
